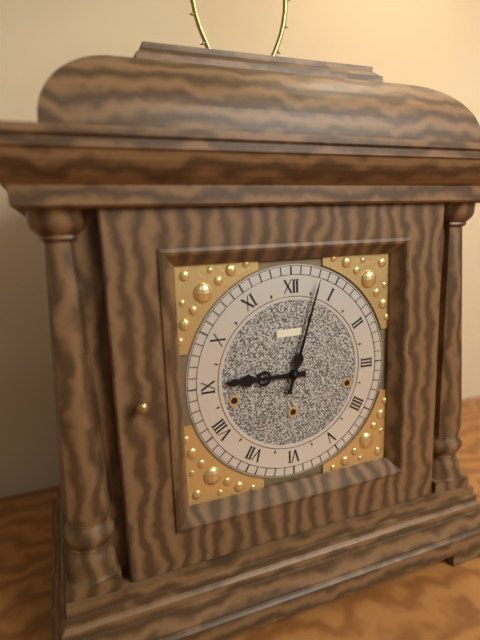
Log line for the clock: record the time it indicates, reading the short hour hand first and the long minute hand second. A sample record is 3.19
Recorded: 9.03
